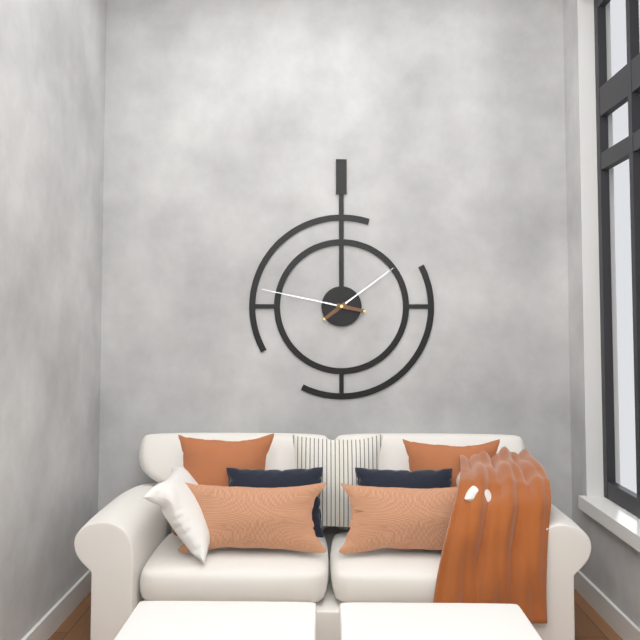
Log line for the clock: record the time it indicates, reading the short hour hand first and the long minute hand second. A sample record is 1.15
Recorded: 1.47
